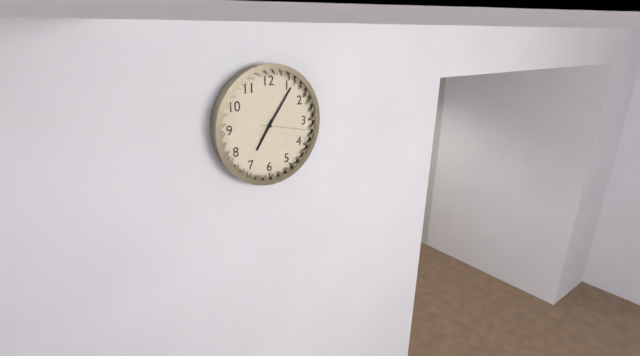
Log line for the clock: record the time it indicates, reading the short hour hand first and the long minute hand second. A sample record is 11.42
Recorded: 7.06
